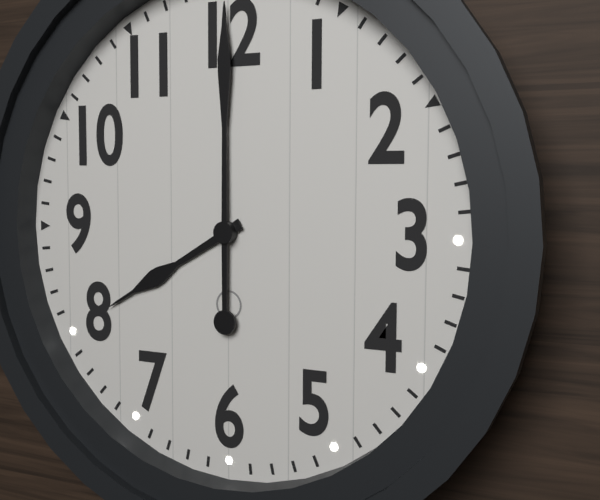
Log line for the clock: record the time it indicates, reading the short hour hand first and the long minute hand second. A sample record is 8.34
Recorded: 8.00
